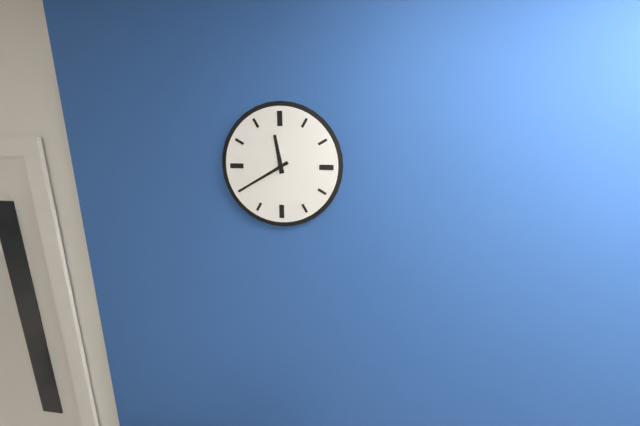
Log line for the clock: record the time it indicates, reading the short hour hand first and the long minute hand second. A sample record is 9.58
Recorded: 11.40
